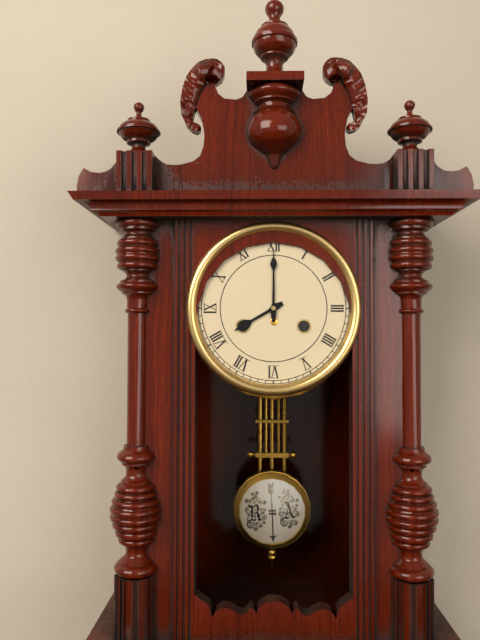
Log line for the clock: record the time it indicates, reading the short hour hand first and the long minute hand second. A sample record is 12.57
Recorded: 8.00
